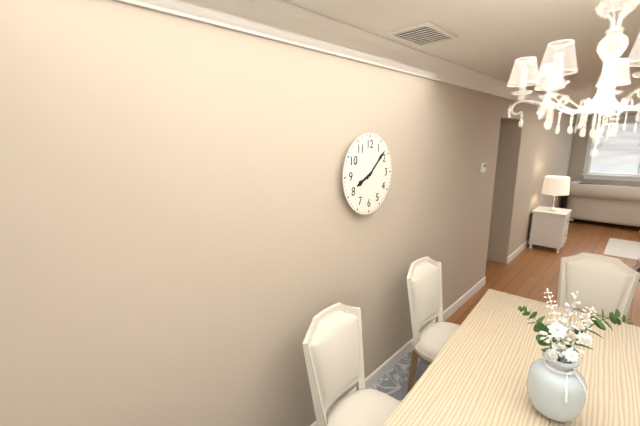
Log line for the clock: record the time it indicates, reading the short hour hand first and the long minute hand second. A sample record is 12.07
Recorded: 8.08
